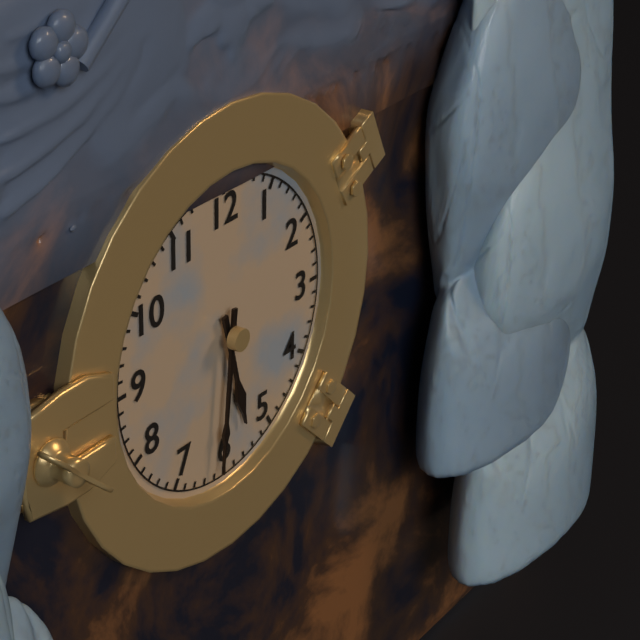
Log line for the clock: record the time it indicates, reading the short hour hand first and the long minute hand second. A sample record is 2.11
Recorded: 5.31
